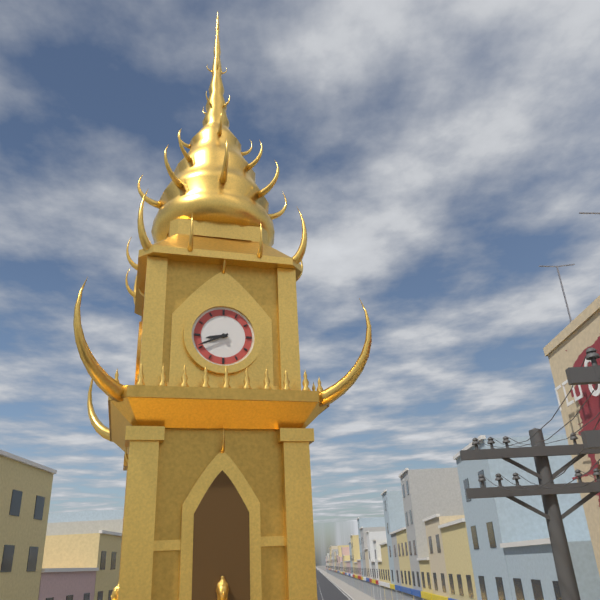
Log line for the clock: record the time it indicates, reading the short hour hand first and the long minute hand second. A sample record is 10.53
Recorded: 8.41
